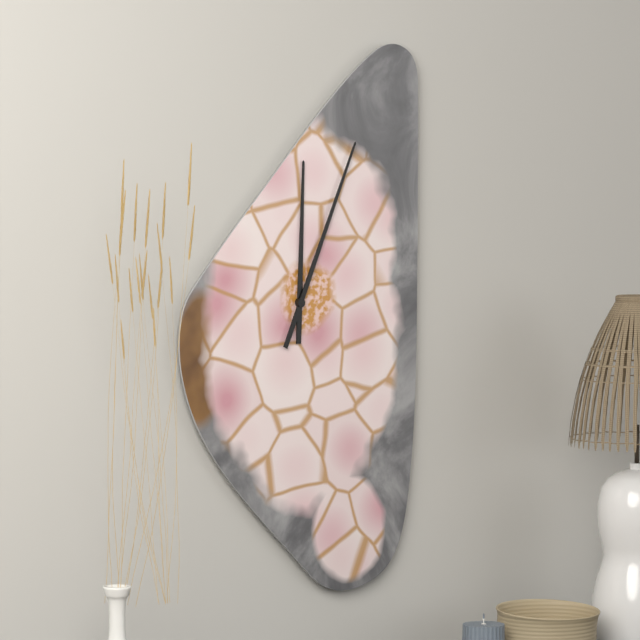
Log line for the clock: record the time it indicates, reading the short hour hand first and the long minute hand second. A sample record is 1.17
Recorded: 12.04
